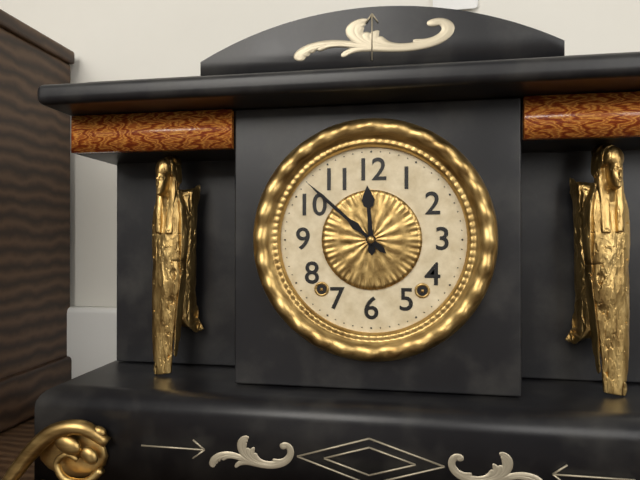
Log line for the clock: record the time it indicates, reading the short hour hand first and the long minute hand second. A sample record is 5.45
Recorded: 11.52
